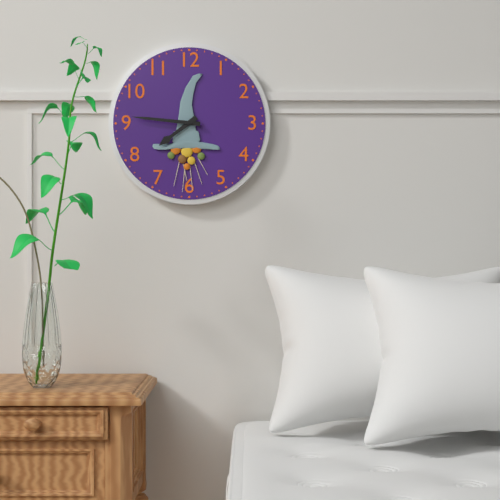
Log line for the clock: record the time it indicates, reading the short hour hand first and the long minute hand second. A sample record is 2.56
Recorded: 7.46
